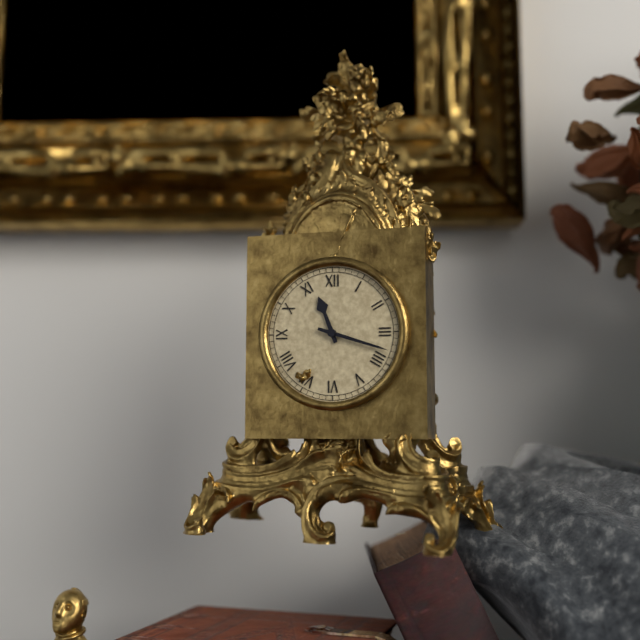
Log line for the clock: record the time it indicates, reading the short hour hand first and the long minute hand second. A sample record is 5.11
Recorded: 11.18
